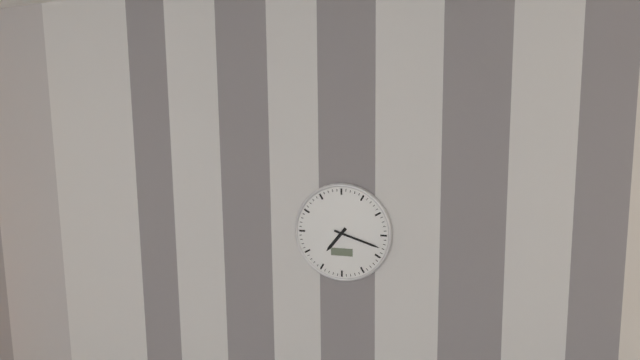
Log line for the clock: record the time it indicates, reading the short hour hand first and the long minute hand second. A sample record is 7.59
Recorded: 7.18
